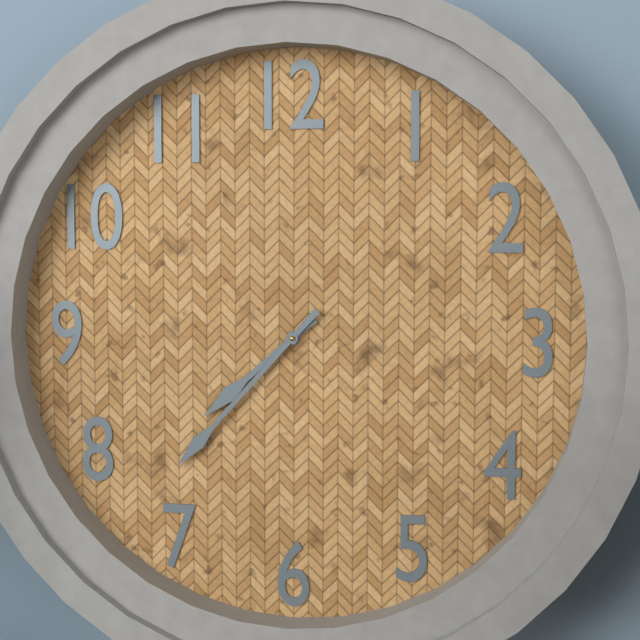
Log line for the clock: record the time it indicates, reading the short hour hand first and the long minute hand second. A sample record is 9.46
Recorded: 7.37
